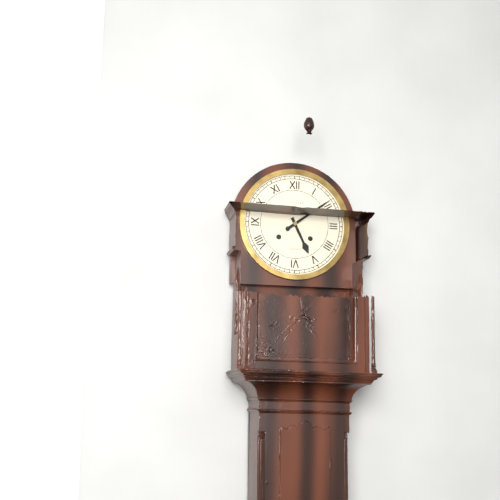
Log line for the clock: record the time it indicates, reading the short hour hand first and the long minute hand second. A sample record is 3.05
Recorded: 5.09
